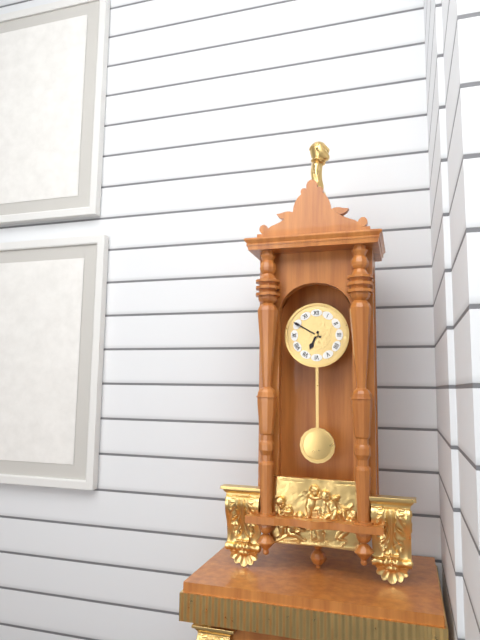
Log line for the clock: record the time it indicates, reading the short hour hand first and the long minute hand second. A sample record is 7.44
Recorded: 6.50
